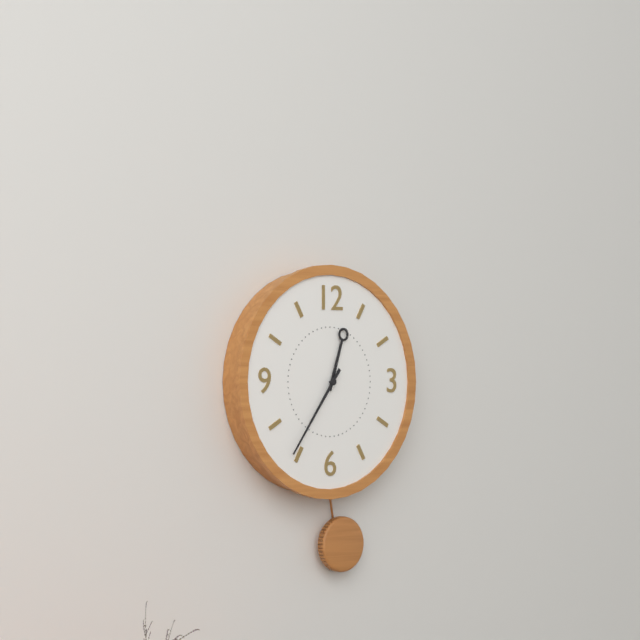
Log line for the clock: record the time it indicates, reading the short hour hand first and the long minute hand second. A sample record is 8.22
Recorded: 12.36
